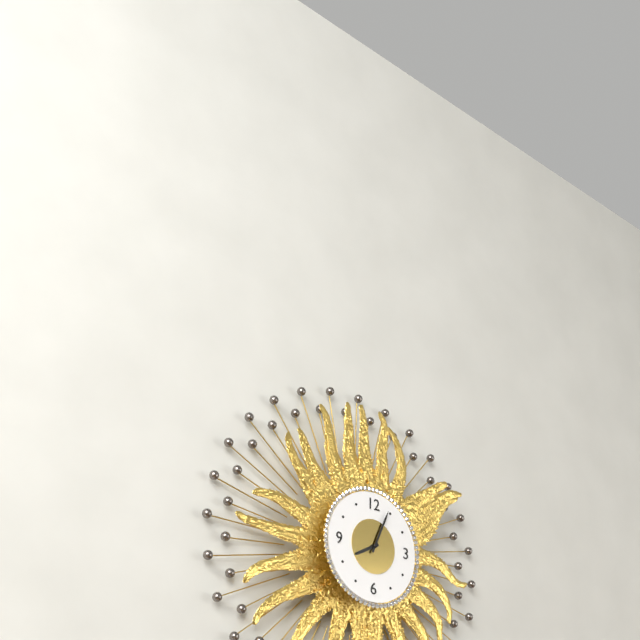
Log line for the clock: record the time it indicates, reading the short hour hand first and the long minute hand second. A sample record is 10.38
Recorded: 8.04
